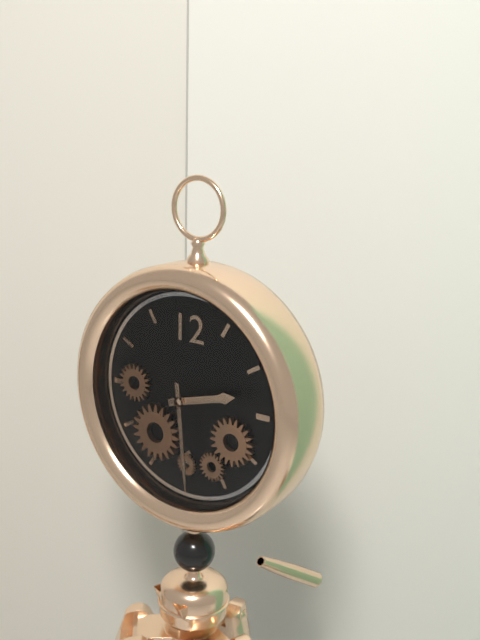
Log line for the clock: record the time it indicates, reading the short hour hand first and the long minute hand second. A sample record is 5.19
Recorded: 2.29
